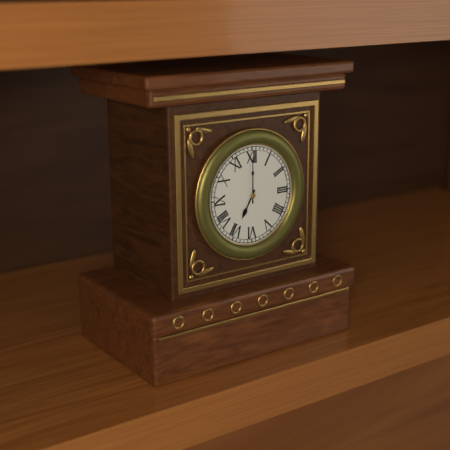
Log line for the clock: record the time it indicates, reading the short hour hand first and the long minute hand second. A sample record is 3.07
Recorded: 7.00
